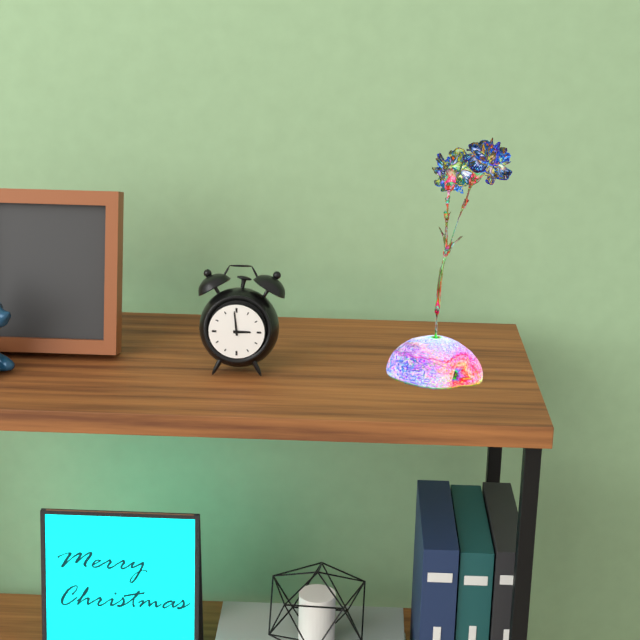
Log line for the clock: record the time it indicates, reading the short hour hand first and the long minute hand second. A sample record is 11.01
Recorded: 2.59
